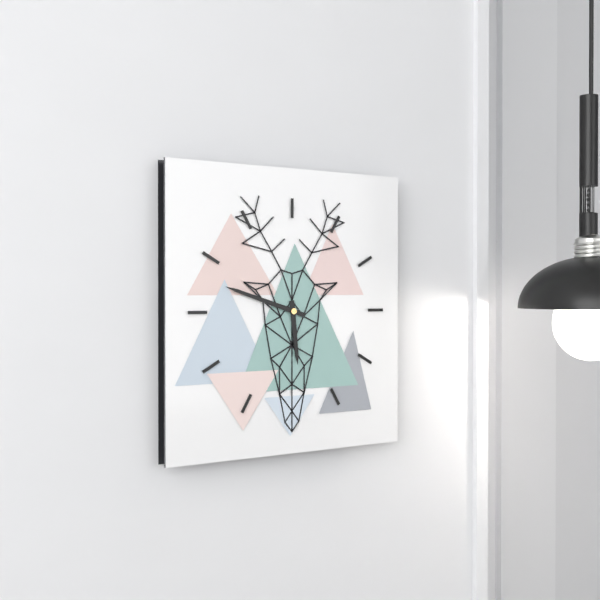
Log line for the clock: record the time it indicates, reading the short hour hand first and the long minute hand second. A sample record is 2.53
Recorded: 5.48
